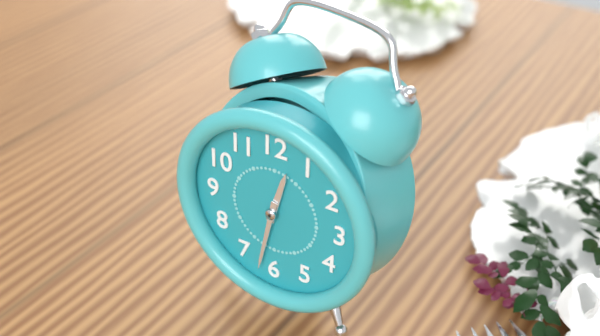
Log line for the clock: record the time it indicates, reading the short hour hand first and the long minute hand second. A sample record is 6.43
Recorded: 12.32
